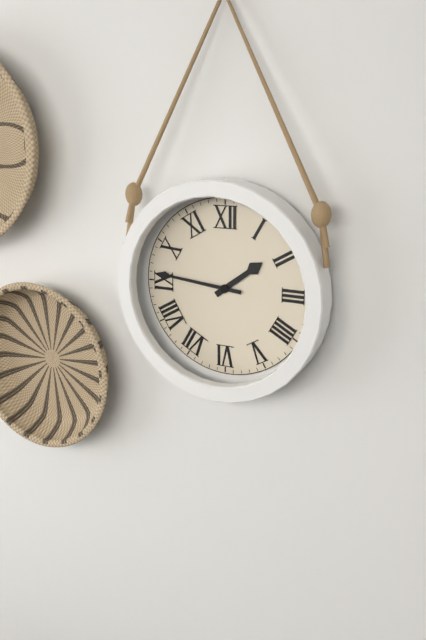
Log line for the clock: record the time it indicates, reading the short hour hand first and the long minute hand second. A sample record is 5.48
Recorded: 1.46
